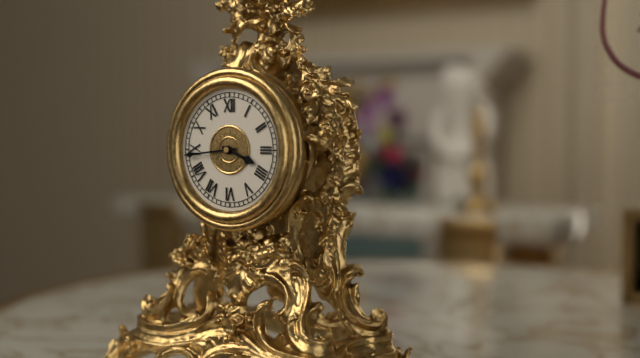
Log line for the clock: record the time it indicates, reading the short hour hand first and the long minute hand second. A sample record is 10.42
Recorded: 3.44
